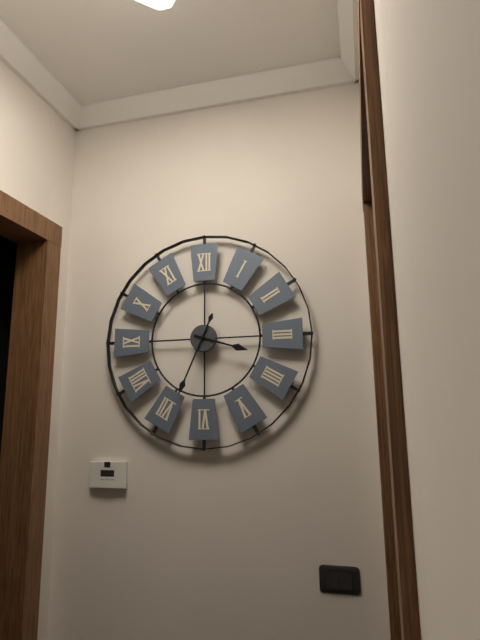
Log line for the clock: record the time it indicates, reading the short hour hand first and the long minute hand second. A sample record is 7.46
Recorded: 3.34
